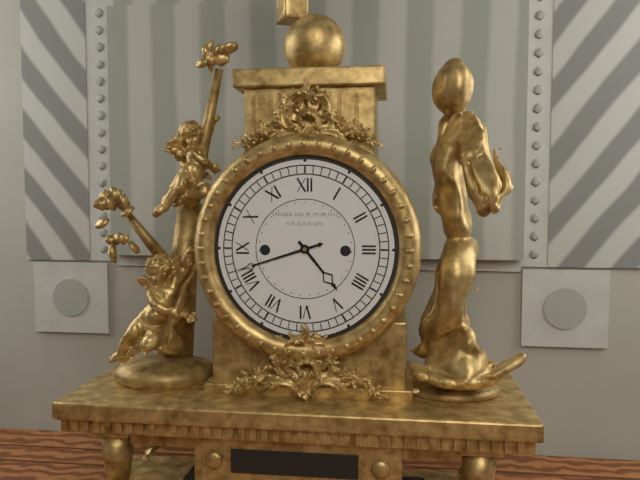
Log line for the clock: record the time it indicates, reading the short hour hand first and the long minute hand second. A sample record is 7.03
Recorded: 4.42
